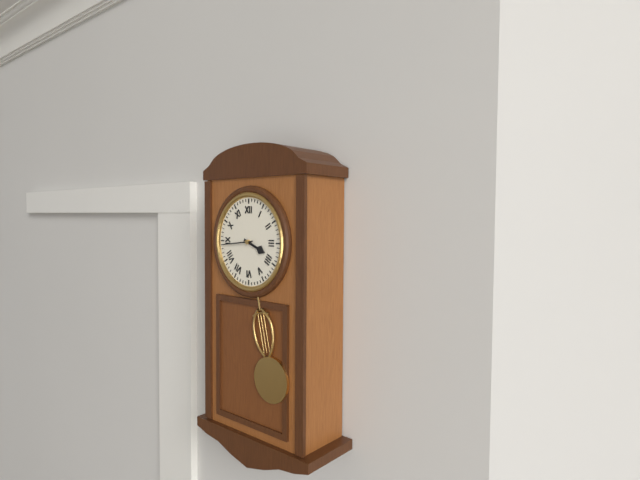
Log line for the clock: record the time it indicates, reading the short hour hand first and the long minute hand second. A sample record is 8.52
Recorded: 3.44
